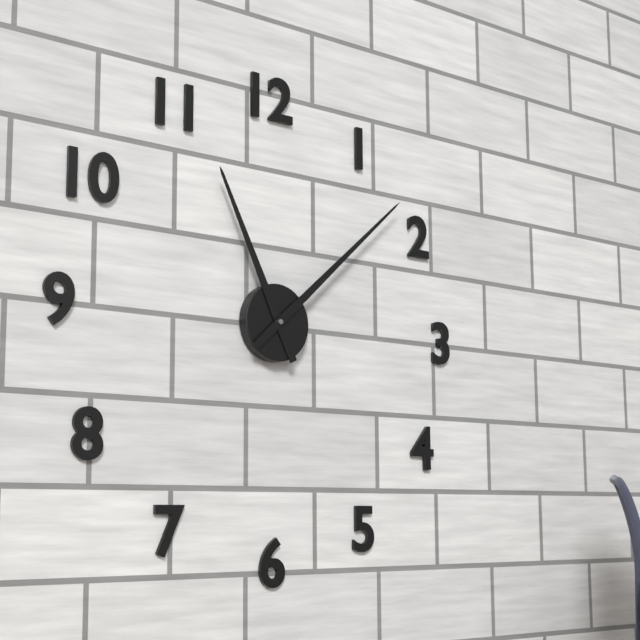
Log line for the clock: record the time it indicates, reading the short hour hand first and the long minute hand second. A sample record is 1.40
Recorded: 11.08
